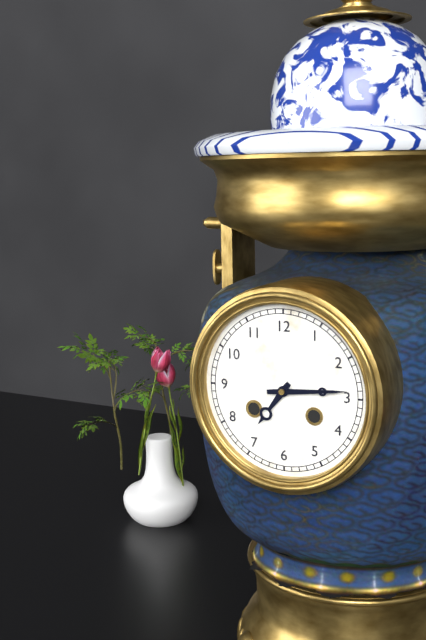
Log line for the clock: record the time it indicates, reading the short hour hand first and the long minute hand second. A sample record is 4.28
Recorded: 7.14
